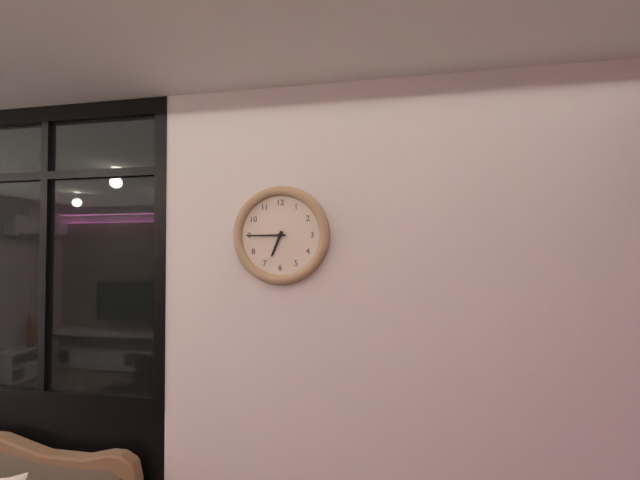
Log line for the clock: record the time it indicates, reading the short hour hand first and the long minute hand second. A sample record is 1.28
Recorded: 6.45
